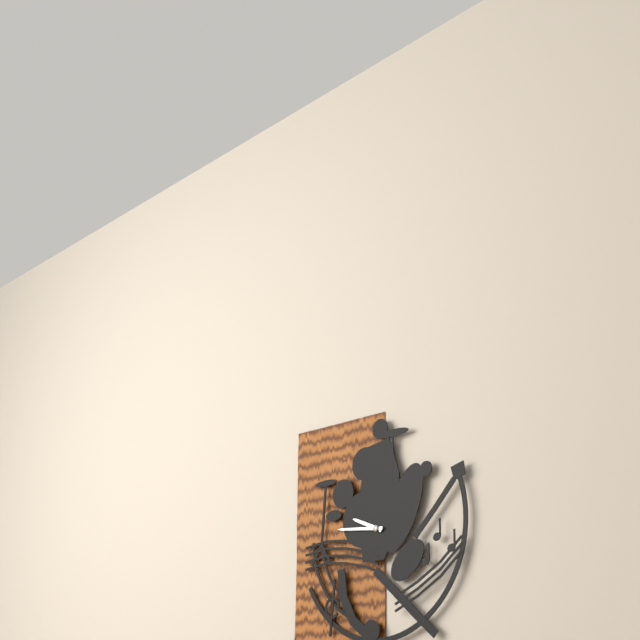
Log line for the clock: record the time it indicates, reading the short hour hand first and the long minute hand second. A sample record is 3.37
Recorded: 9.46
